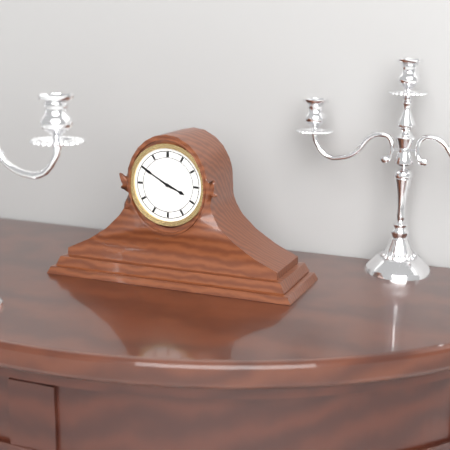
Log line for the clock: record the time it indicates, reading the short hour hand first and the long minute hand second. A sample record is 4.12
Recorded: 3.50
